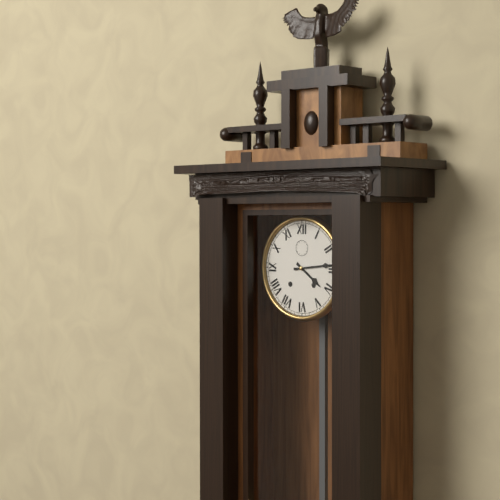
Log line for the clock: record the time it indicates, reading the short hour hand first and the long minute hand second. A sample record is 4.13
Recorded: 4.14
